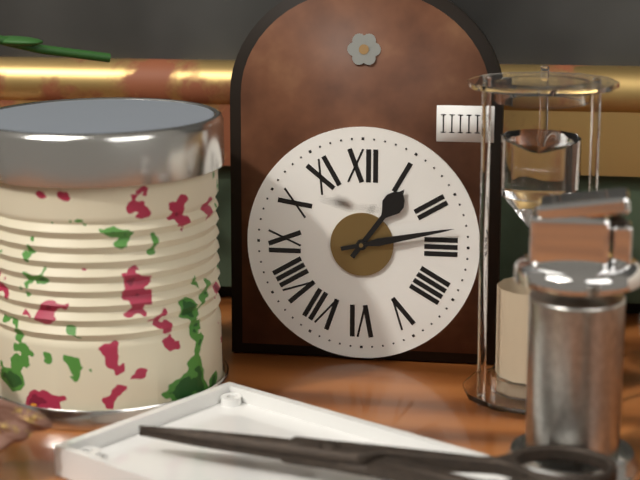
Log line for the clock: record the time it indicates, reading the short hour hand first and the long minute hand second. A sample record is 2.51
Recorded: 1.13
